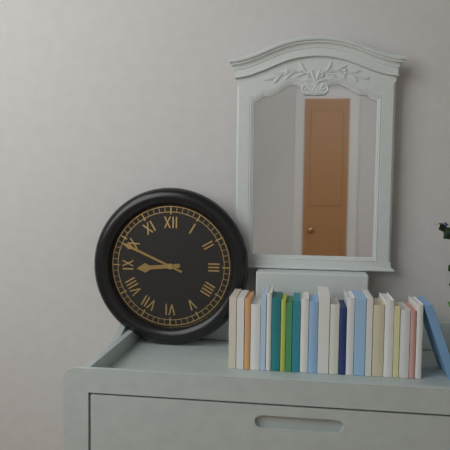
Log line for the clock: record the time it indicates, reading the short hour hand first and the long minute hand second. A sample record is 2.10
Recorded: 8.49
